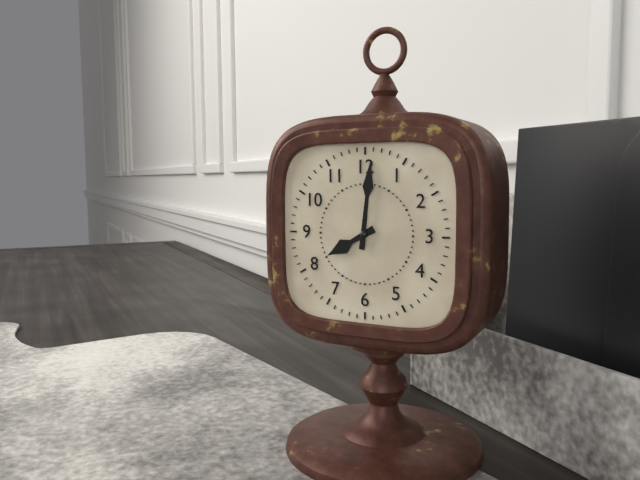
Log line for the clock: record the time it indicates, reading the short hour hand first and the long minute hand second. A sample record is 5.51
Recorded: 8.01
